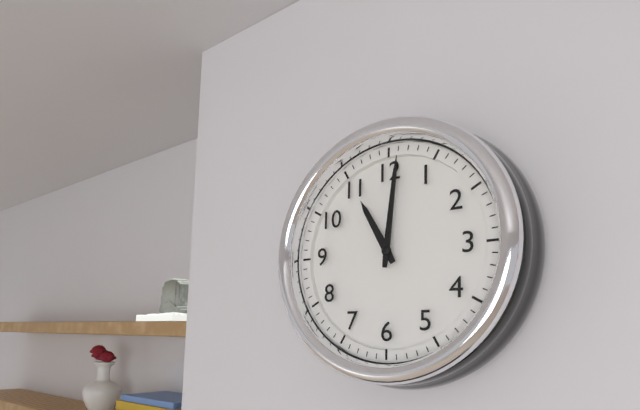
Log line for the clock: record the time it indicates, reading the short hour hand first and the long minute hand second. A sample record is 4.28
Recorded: 11.01
